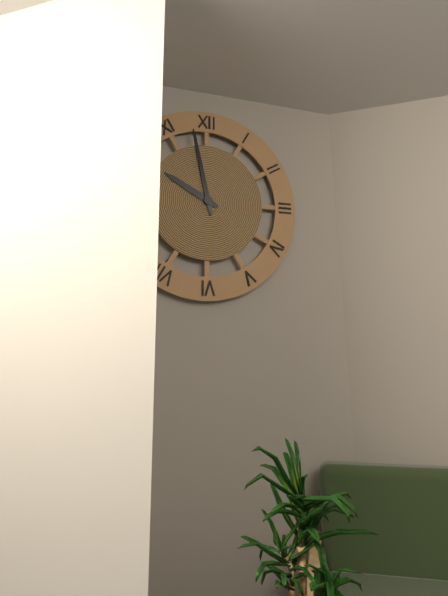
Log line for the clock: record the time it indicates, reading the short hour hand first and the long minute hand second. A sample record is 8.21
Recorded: 9.58
